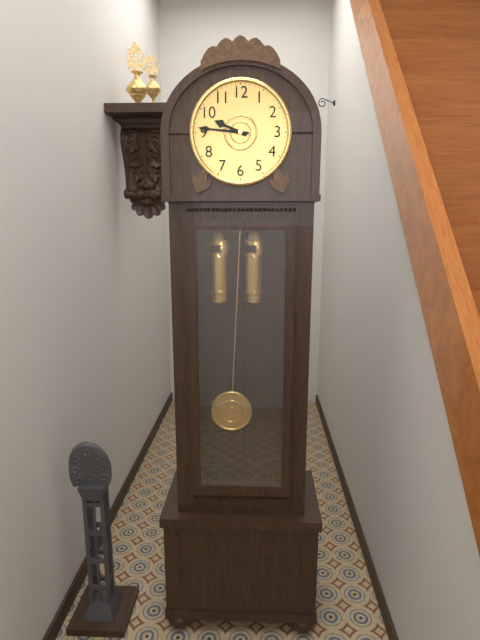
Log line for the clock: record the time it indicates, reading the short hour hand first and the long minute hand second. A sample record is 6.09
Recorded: 9.46
